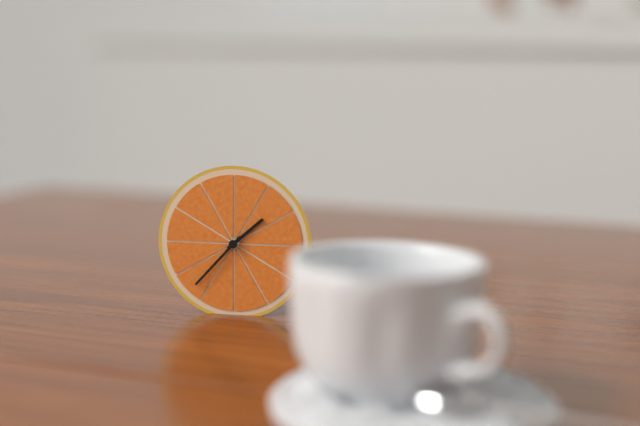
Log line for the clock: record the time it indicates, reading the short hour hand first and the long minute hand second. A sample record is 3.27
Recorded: 1.37
